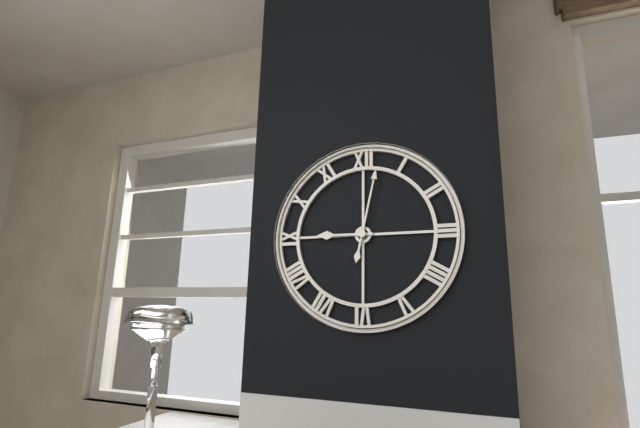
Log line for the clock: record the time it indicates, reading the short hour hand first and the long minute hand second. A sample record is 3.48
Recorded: 9.02
